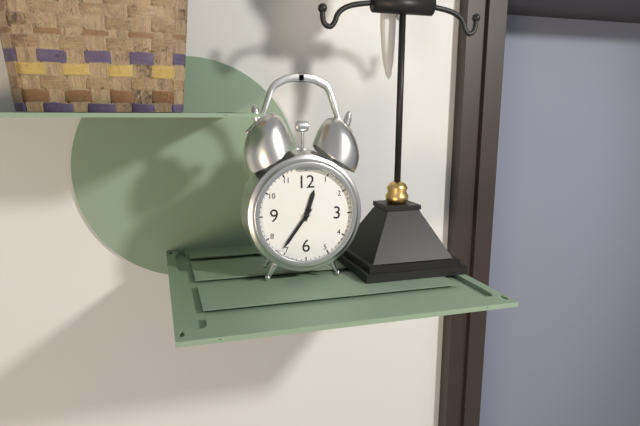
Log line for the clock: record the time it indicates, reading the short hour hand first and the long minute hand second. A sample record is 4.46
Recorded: 12.36
